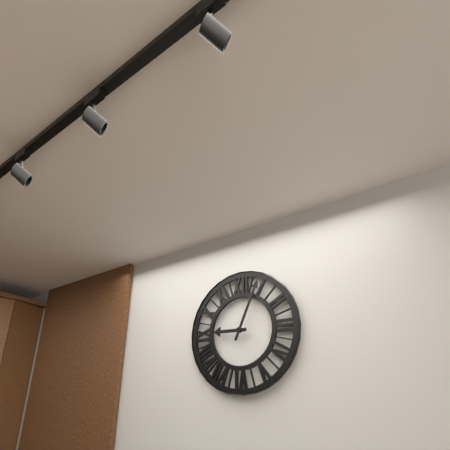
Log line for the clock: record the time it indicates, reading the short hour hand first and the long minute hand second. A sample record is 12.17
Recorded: 9.04
